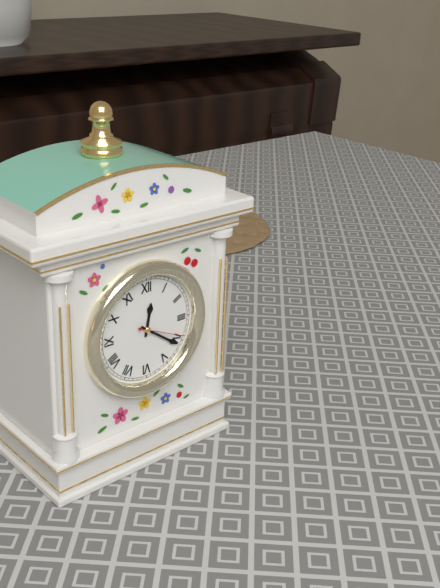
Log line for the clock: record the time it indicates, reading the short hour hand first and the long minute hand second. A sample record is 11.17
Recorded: 12.21
